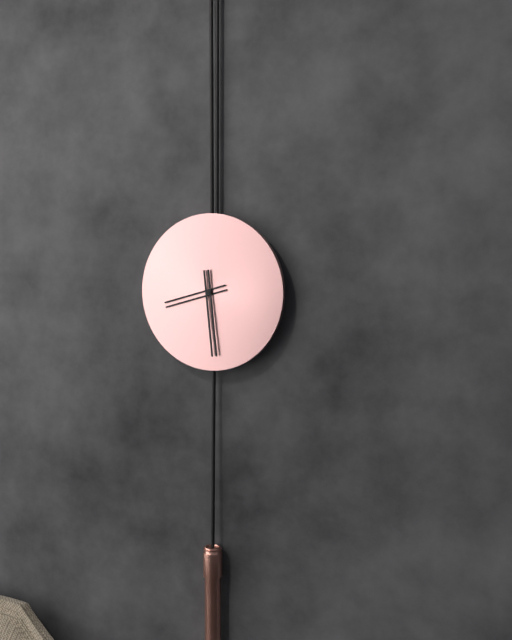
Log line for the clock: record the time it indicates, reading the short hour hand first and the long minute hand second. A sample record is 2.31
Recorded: 8.29
